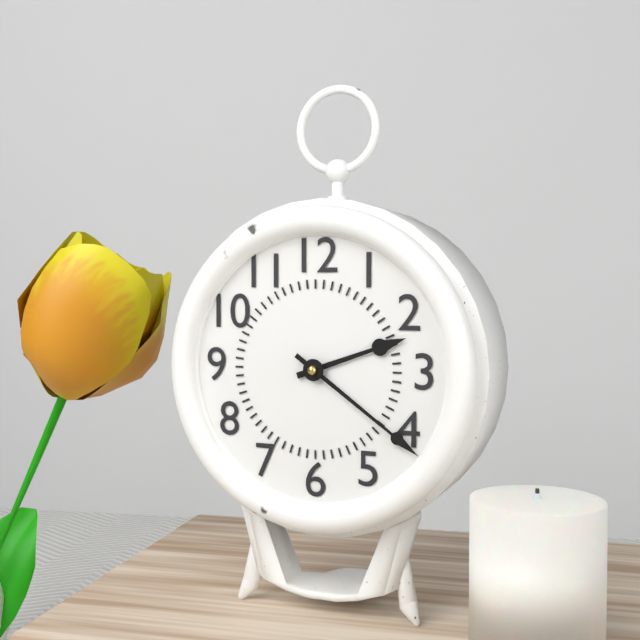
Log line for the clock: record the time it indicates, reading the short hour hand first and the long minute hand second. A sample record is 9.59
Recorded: 2.21
